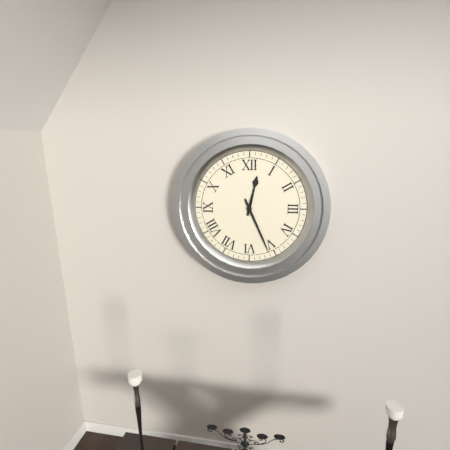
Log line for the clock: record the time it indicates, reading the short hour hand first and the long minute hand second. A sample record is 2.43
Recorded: 12.26
